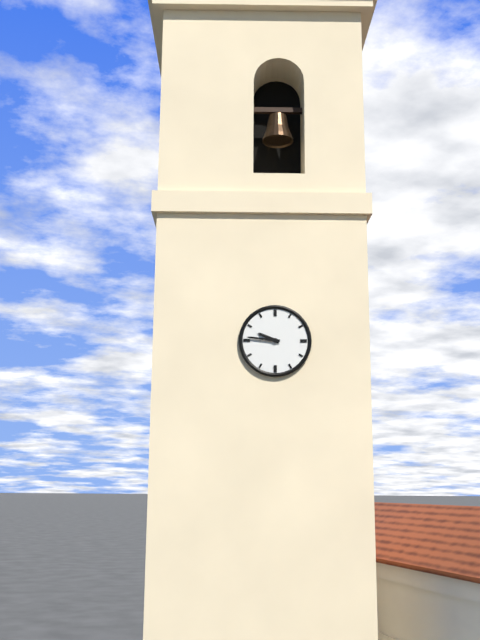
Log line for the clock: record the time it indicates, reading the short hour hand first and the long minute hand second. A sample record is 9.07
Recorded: 9.46
